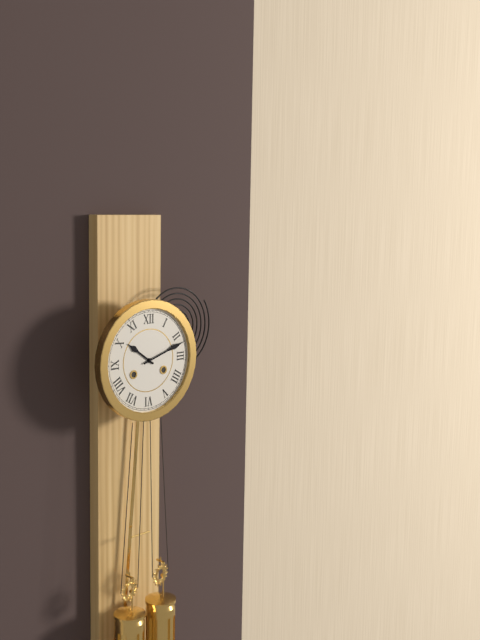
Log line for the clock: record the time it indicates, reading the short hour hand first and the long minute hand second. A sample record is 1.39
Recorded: 10.12
